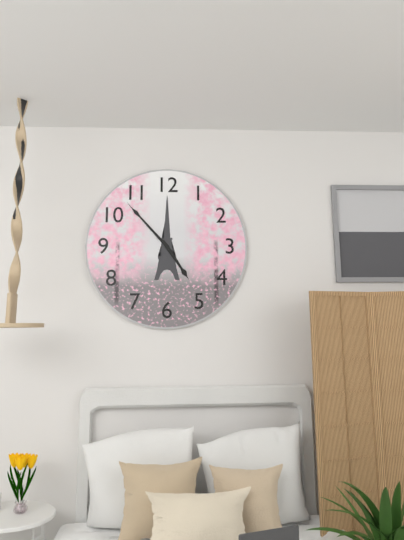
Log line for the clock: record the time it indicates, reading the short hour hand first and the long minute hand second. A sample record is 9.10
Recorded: 4.53
